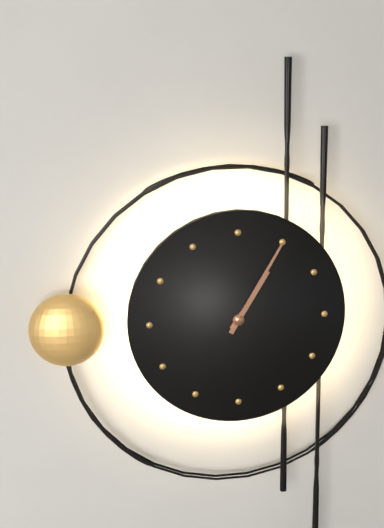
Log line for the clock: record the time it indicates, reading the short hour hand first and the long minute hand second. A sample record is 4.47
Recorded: 1.05
